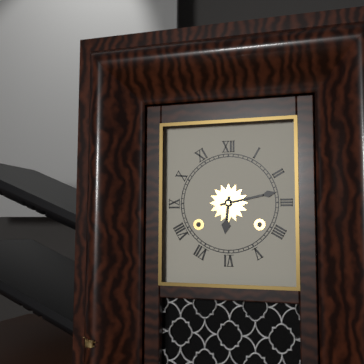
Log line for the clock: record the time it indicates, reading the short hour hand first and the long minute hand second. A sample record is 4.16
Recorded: 6.13
